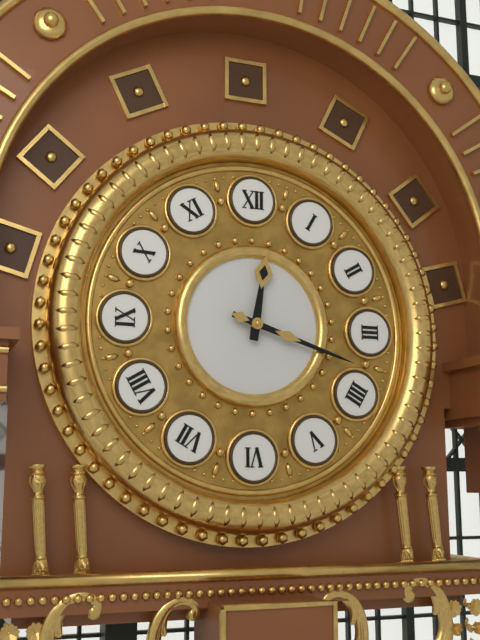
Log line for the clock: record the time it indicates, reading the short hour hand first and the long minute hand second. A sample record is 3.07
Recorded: 12.18
